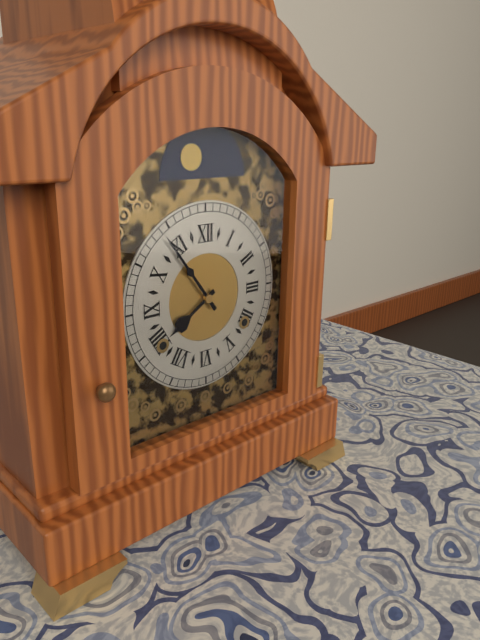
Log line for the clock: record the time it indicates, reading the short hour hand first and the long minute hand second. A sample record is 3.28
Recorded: 7.54
